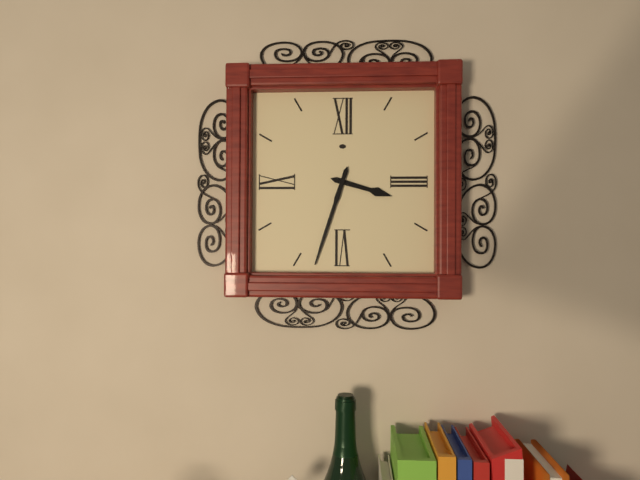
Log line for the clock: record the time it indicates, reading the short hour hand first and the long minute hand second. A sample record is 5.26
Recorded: 3.33
